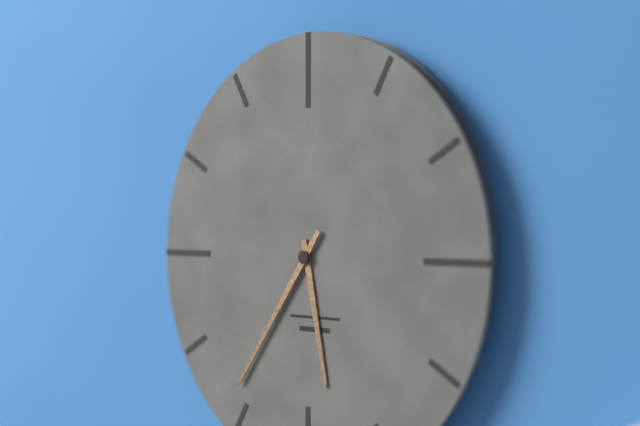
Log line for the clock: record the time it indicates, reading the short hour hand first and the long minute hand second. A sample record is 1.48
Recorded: 5.36
